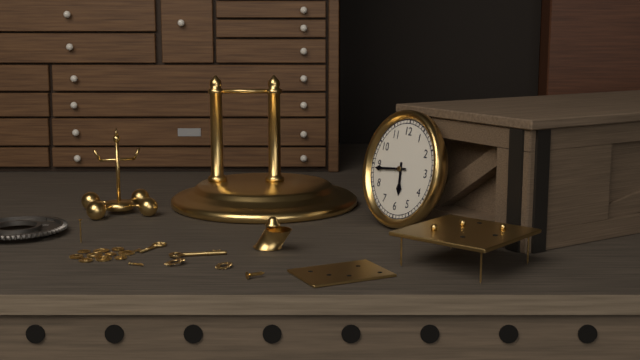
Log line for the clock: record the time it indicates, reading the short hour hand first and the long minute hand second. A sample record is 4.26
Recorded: 5.44
